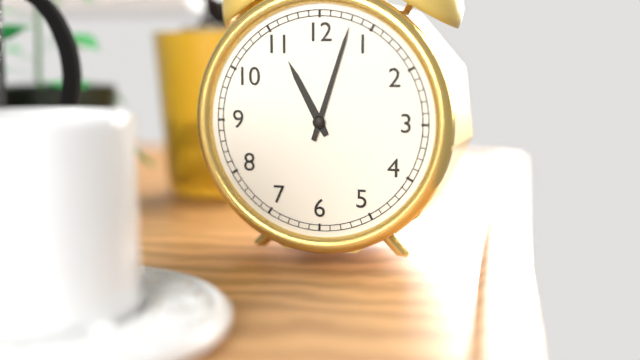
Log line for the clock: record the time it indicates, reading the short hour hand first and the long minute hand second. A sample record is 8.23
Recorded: 11.03
